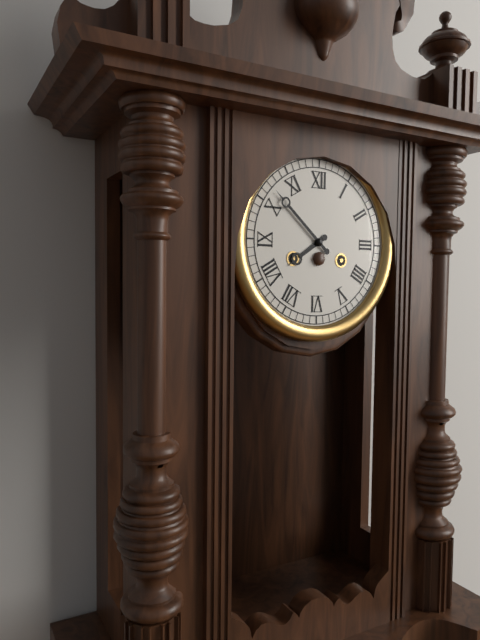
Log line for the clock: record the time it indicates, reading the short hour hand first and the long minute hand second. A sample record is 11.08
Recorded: 7.52
